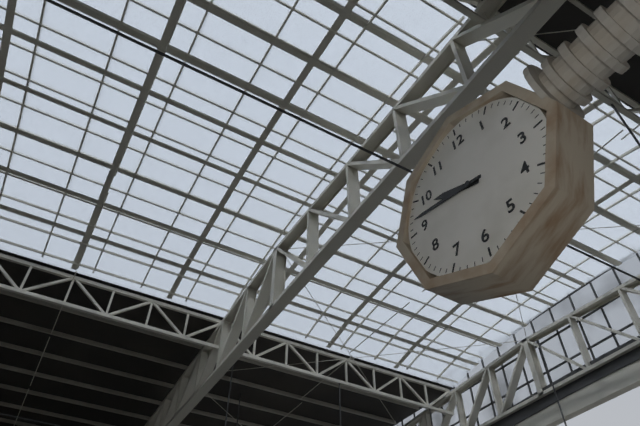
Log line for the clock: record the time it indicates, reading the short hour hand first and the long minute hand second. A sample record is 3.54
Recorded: 9.47
